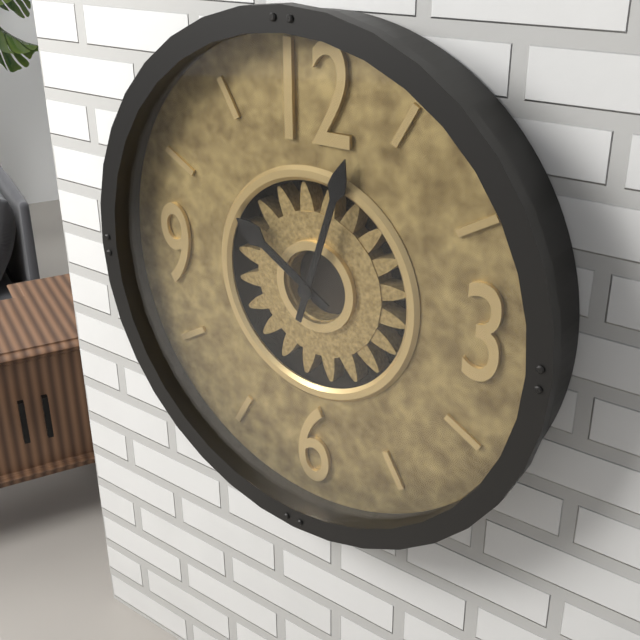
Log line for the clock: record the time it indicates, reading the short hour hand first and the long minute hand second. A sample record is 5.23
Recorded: 10.03
